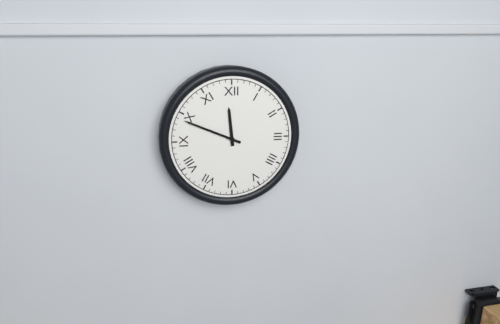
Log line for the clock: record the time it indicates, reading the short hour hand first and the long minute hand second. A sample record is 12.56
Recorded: 11.49
